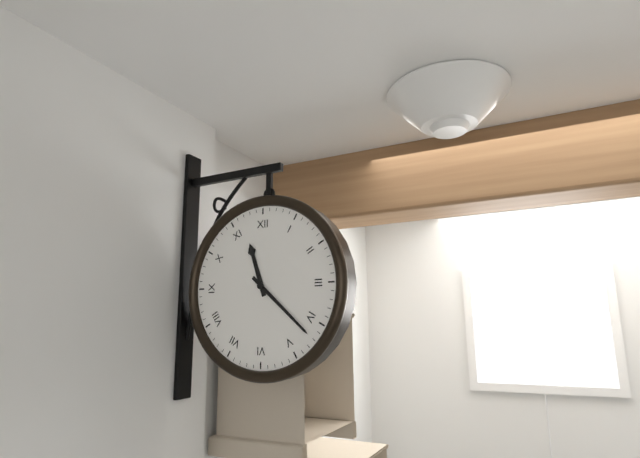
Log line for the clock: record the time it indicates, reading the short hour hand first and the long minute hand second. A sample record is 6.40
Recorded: 11.22
